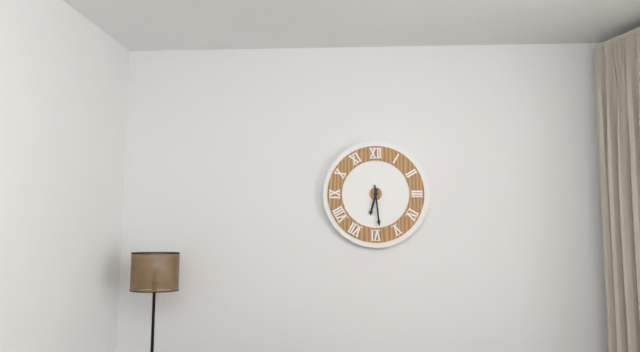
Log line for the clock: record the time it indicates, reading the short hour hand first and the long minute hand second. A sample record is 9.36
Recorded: 6.29
